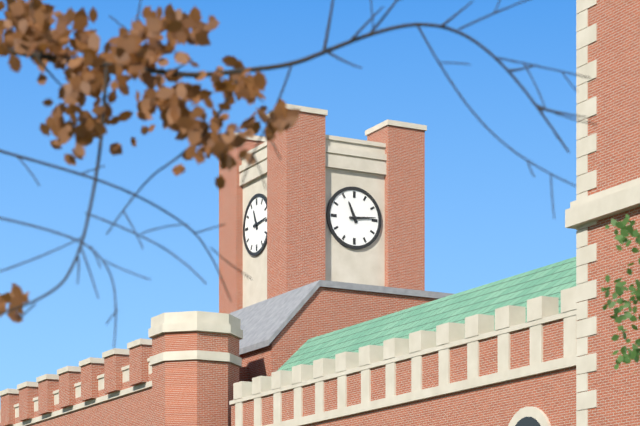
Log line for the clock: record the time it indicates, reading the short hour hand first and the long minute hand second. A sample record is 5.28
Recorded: 11.14
